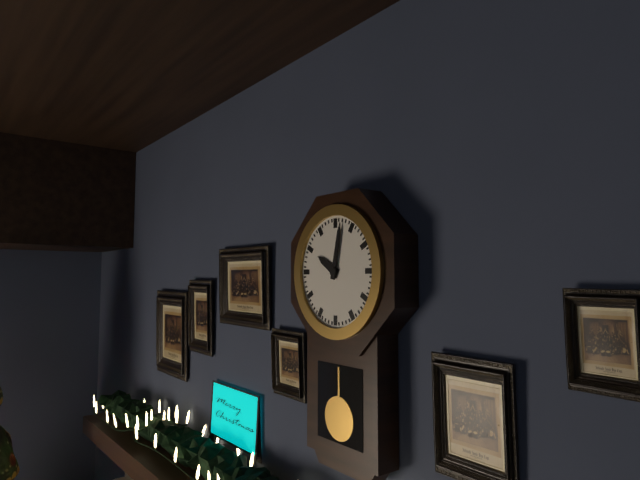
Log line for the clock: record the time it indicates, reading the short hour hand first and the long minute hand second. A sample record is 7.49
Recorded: 10.02
